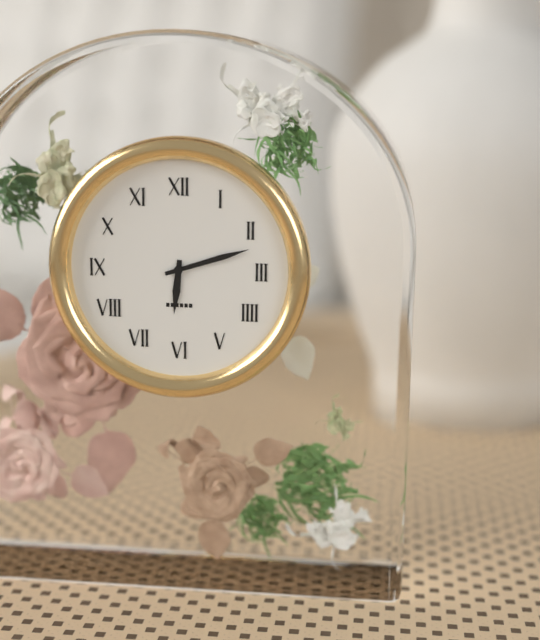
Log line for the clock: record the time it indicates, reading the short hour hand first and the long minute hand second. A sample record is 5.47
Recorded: 6.12
